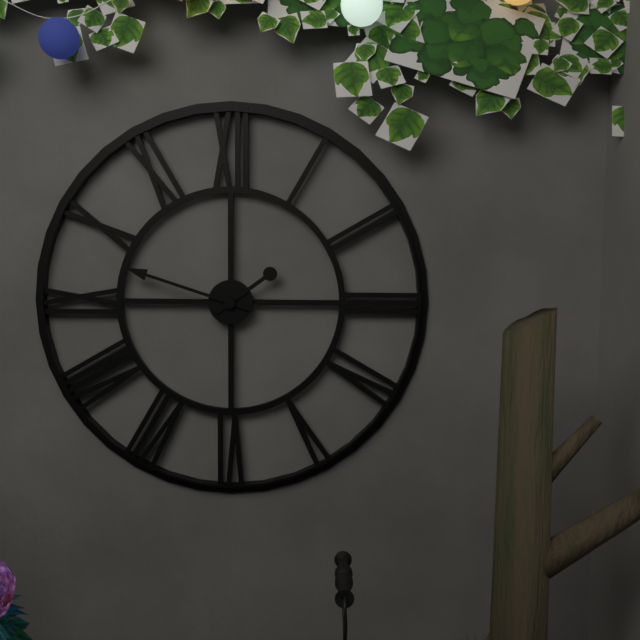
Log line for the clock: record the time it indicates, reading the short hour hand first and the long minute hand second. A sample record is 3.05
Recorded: 1.48
